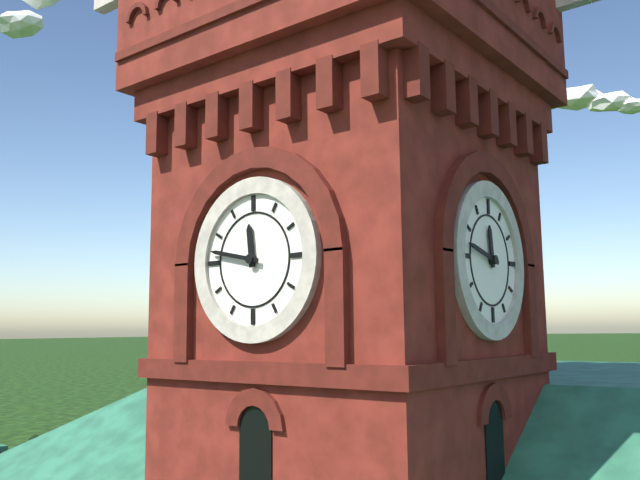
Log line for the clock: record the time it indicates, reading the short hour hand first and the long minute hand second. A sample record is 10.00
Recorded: 11.47
